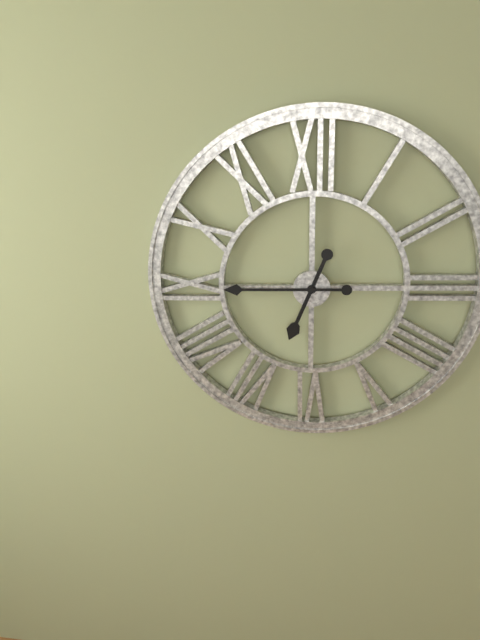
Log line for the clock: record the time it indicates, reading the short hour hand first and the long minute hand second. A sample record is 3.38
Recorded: 6.45
